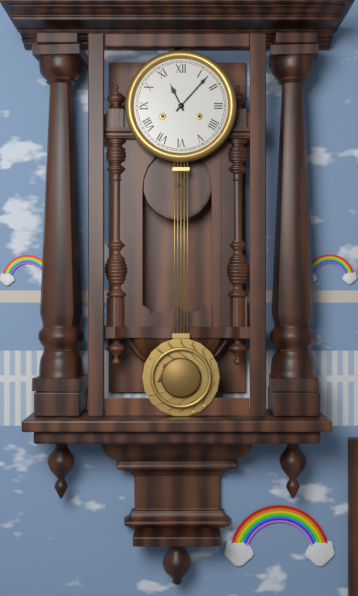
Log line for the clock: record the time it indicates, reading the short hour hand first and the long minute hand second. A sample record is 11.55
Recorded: 11.07
